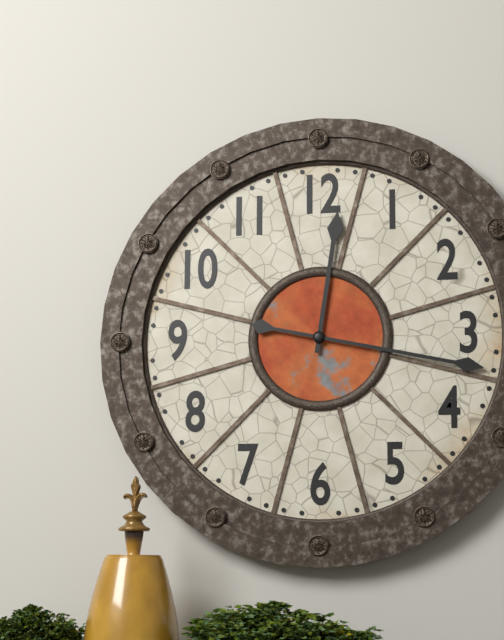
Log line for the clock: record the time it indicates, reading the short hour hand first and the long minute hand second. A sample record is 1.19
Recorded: 12.17
